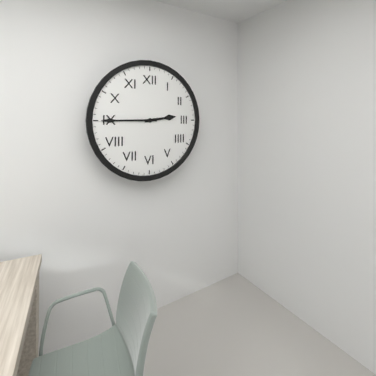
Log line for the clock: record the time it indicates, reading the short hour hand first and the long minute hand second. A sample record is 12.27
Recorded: 2.45
